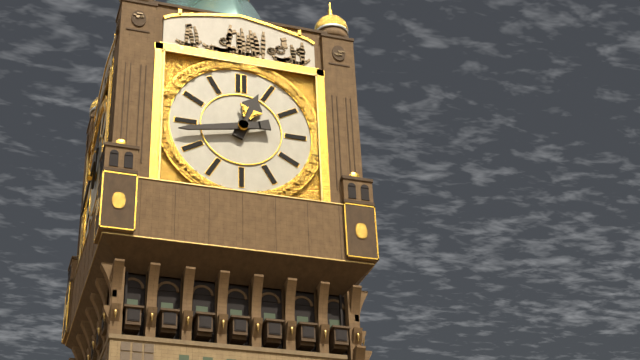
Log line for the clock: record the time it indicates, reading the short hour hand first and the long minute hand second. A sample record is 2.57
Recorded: 12.43
